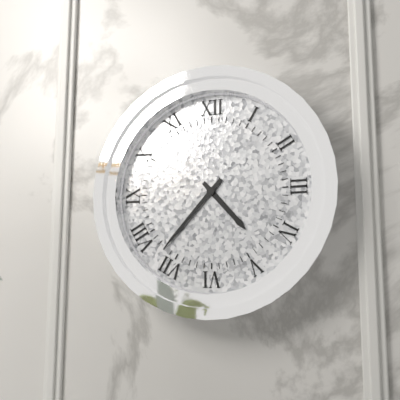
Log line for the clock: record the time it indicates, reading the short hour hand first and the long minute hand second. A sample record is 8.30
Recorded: 4.37
